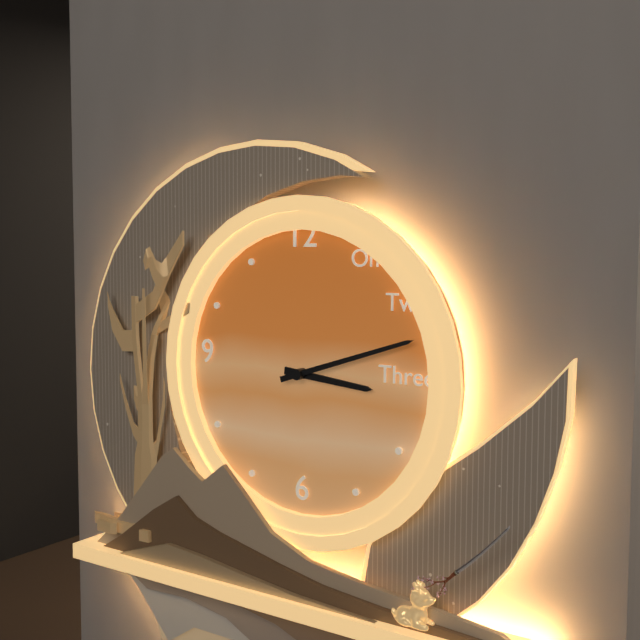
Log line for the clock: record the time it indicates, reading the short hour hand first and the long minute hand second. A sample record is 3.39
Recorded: 3.12
